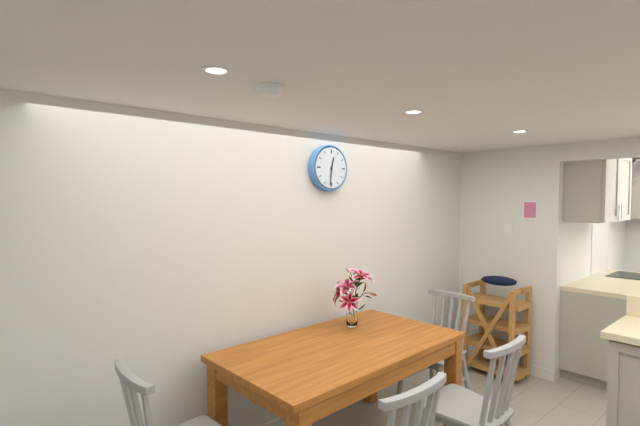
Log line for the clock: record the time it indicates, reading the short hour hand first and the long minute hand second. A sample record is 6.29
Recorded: 12.31
